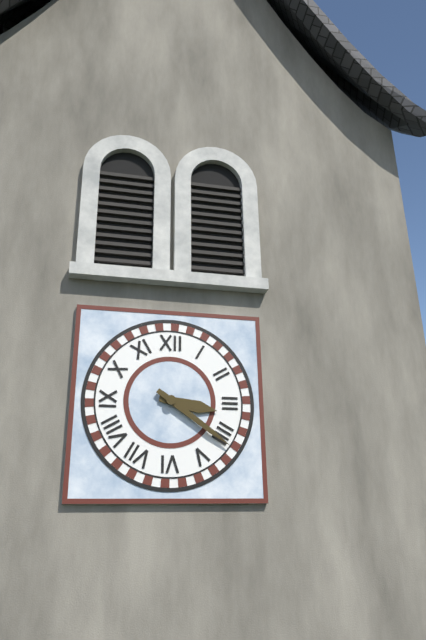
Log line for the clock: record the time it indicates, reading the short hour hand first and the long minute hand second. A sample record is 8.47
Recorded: 3.21
